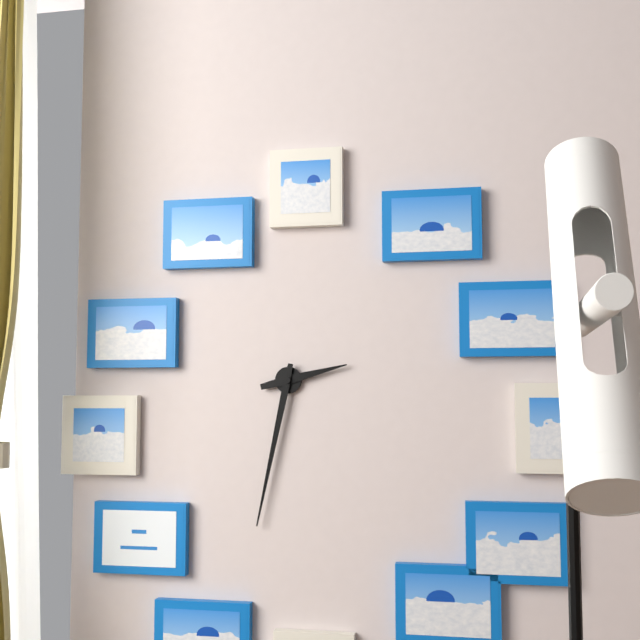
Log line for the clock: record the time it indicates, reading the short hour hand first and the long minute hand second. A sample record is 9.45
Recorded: 2.32
